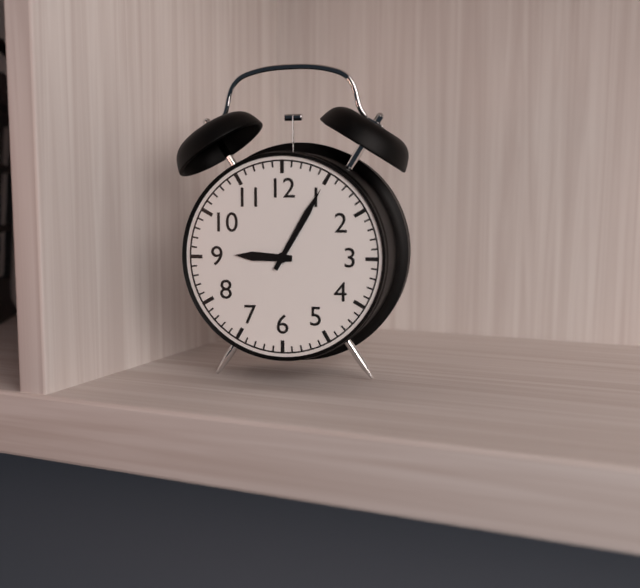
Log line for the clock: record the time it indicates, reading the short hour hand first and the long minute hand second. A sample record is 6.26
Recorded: 9.05
